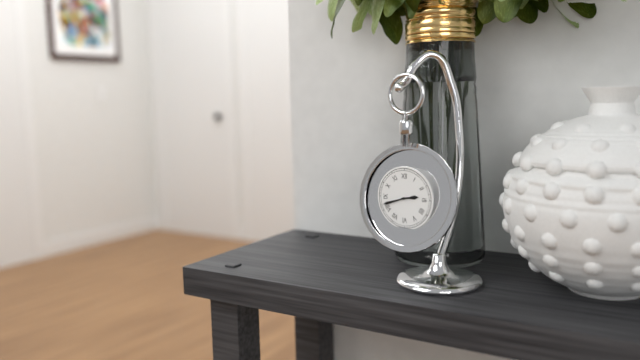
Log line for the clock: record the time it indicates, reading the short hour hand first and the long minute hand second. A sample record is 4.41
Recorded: 2.42
